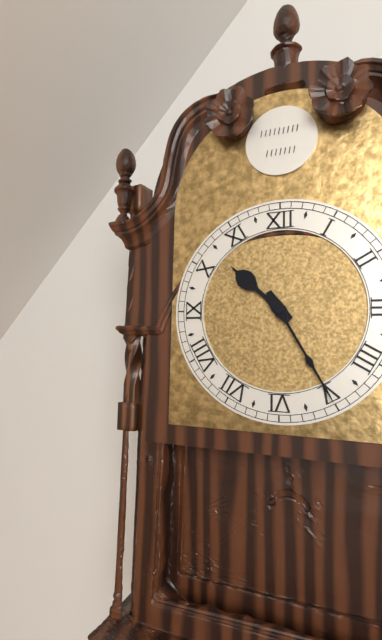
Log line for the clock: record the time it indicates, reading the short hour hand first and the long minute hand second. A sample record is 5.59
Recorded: 10.25
